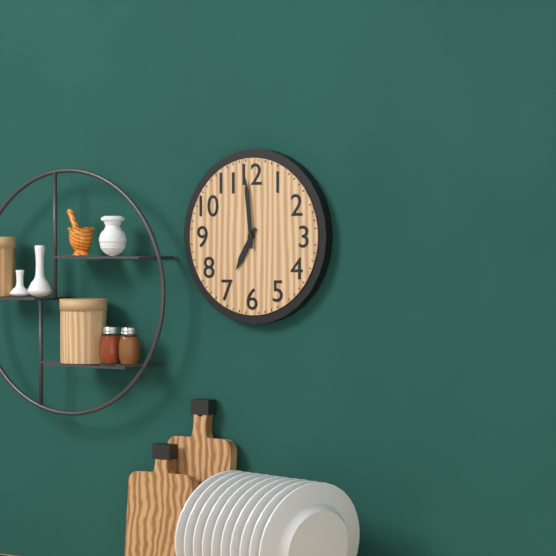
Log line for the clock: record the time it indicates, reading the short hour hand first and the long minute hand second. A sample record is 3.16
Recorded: 6.59
